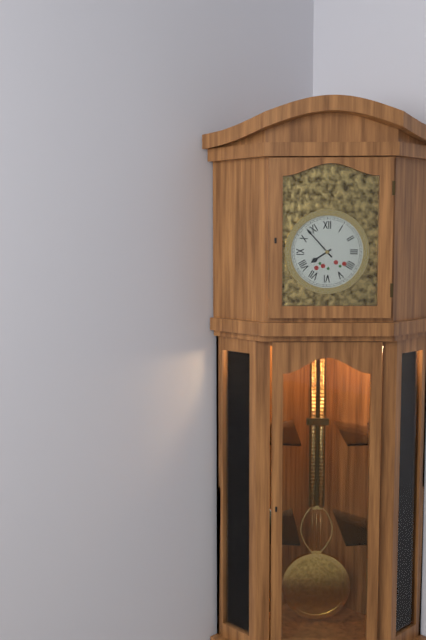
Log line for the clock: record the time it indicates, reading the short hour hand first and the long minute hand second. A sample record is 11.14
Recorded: 7.53
